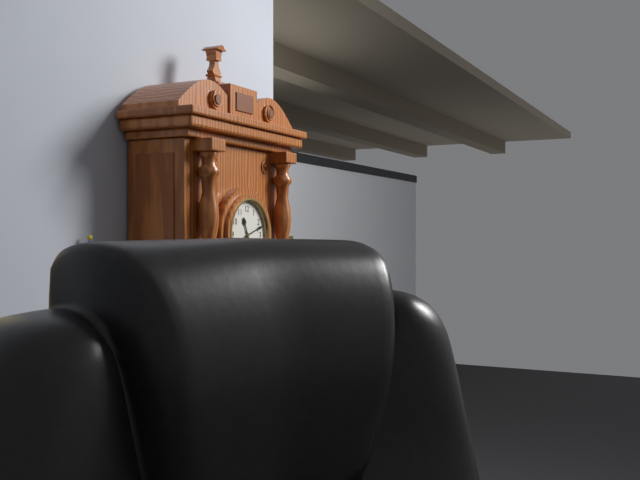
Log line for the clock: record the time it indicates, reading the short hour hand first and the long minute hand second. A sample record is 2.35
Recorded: 11.12
